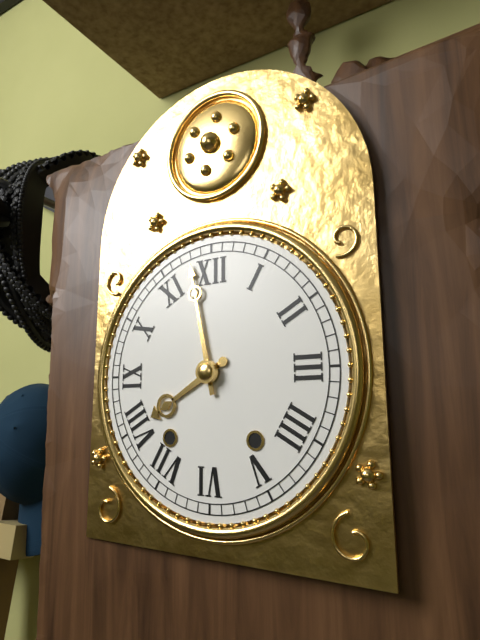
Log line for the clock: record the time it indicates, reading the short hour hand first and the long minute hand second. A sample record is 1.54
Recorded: 7.58
